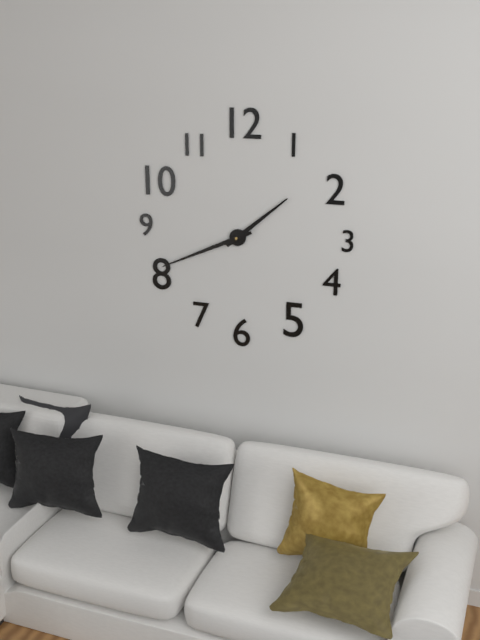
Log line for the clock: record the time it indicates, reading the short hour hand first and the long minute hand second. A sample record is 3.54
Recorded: 1.41
